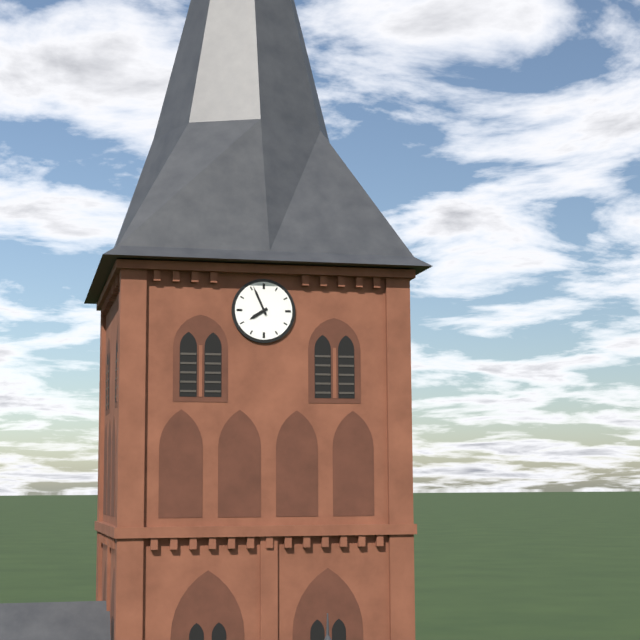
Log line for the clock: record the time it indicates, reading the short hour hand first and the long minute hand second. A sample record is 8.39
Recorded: 7.56
